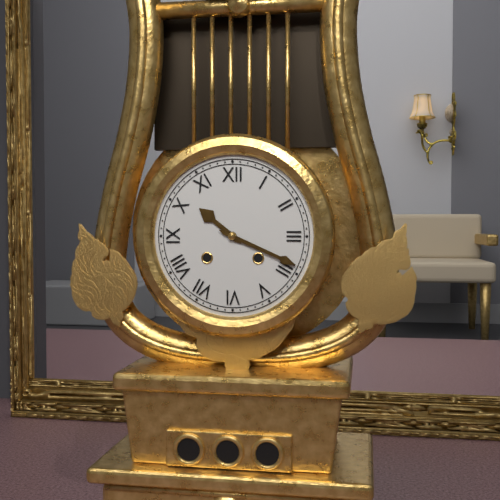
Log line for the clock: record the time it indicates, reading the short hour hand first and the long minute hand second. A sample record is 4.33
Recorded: 10.19
